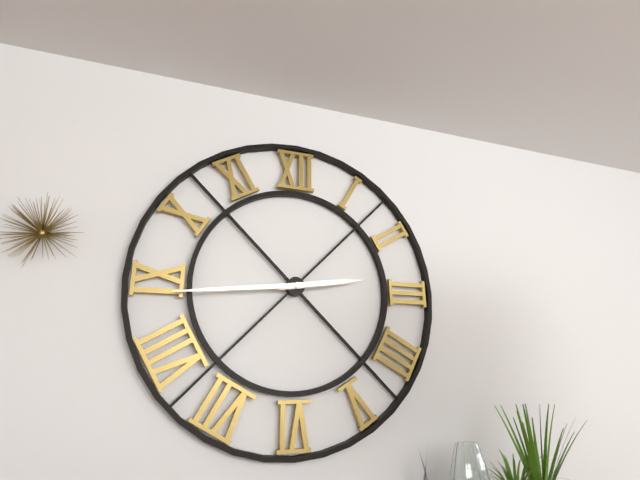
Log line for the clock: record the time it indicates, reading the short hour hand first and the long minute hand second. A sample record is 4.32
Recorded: 2.44
